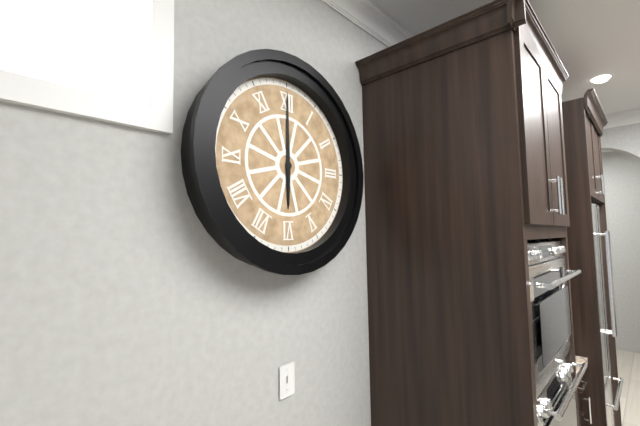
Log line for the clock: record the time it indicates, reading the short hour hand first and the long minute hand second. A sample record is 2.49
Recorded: 6.00
